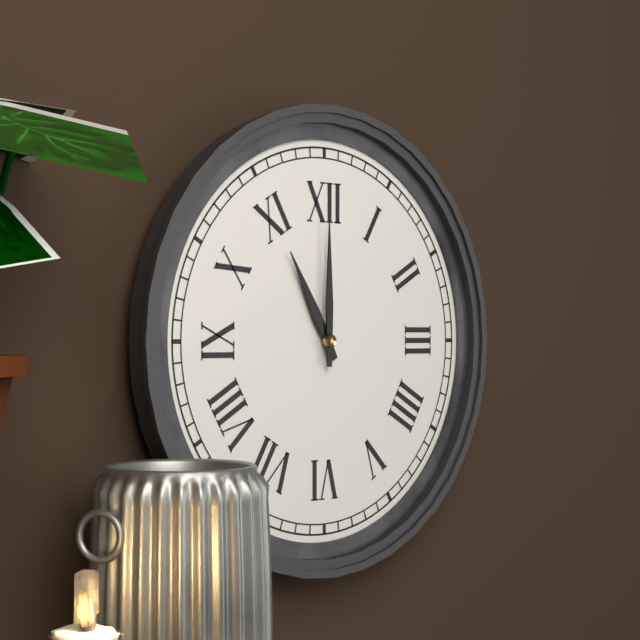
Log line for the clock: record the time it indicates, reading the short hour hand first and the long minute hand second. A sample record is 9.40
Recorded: 11.00
